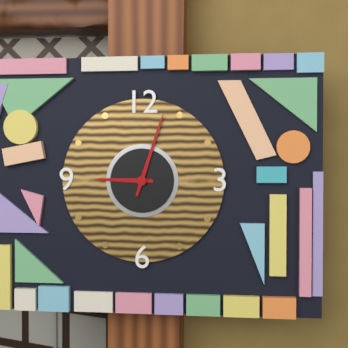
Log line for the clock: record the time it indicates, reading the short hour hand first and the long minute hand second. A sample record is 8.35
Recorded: 9.03
